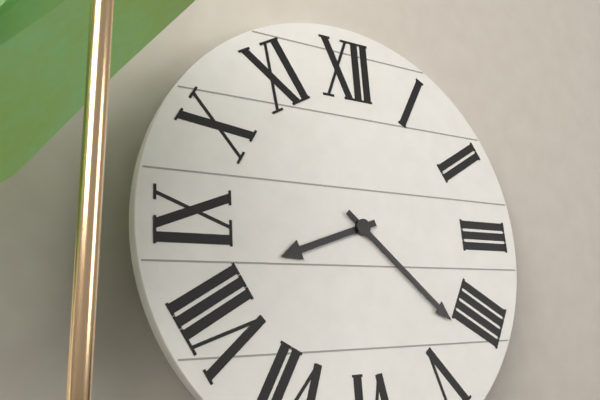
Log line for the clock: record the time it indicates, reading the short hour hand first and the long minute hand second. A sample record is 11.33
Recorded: 8.22
